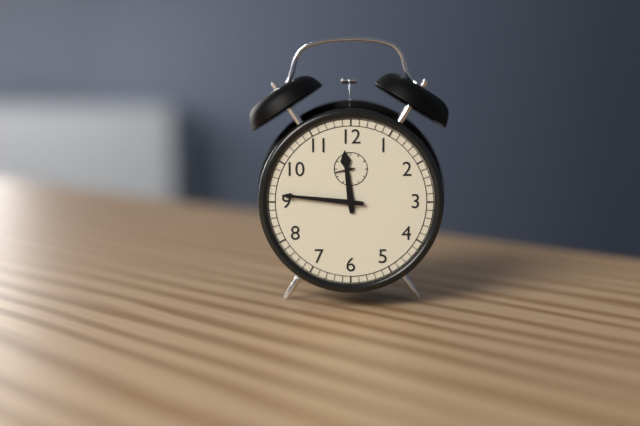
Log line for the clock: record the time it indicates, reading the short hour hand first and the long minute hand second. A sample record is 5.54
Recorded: 11.46
